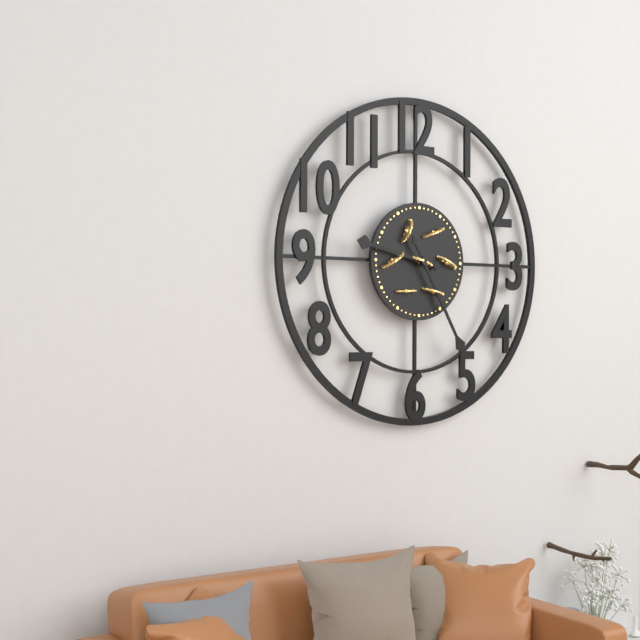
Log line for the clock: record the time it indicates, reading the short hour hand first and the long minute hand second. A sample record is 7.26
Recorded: 9.25
